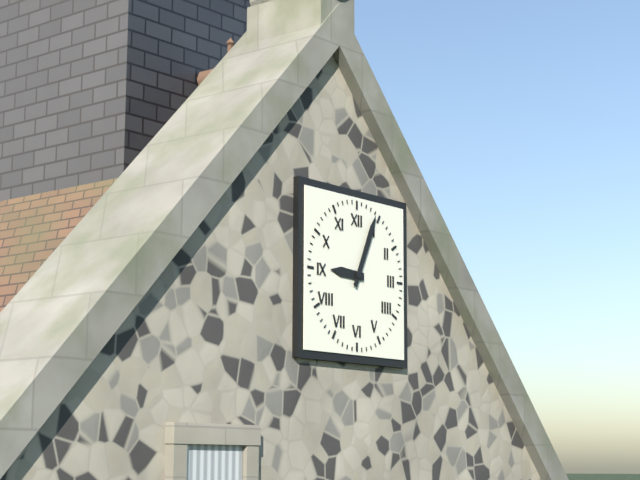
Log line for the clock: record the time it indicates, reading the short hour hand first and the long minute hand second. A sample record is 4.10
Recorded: 9.04
